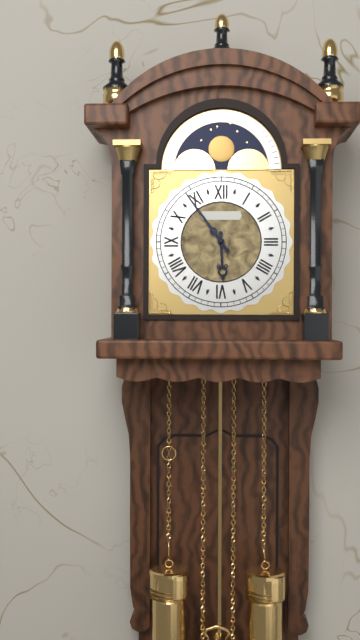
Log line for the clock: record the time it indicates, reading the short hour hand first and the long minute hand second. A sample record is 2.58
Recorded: 5.54
